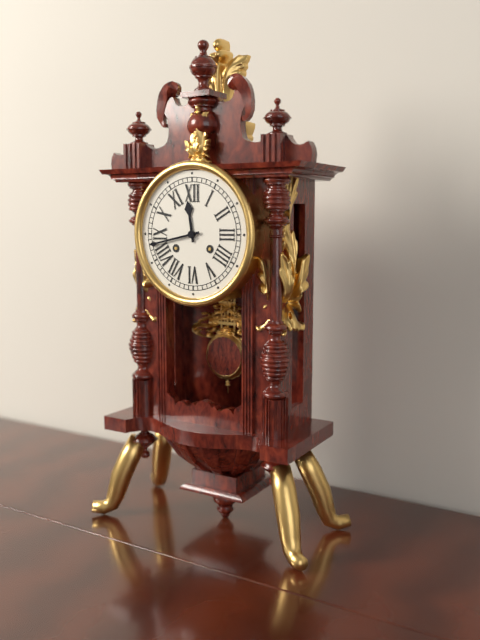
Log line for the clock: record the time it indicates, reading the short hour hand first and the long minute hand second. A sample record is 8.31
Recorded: 11.43
